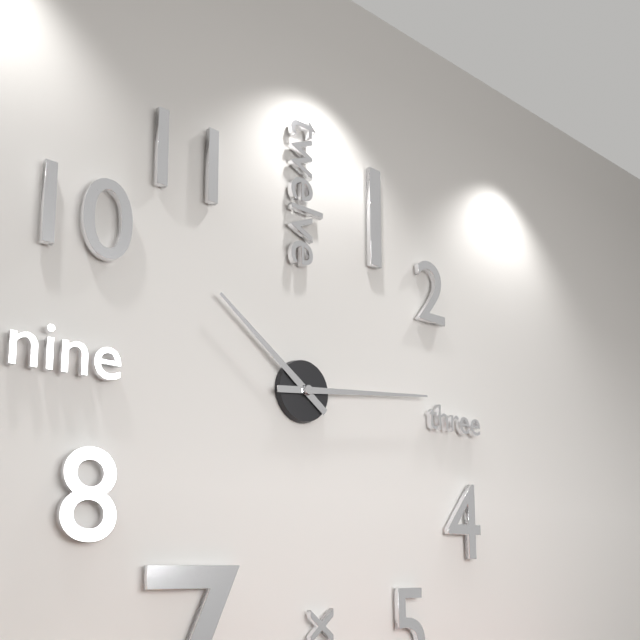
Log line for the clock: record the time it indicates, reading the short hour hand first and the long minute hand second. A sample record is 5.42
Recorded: 10.14
